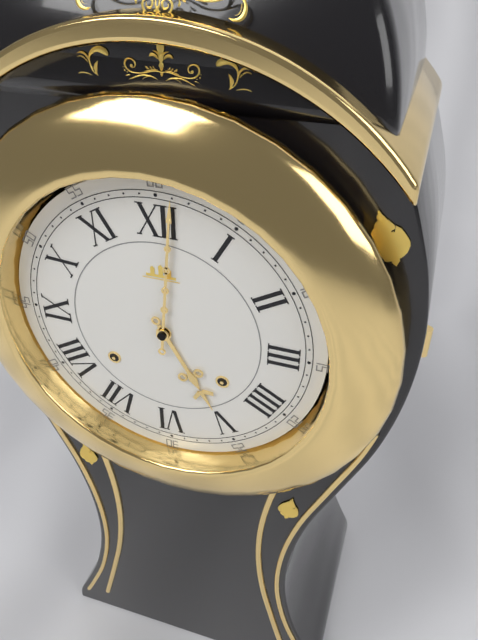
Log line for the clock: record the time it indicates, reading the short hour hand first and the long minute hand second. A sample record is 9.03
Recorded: 5.01
